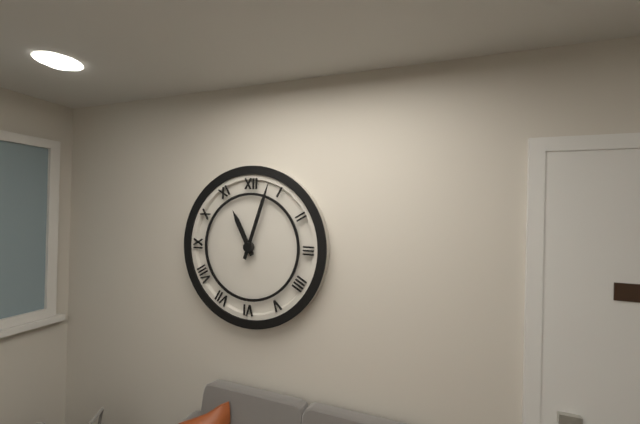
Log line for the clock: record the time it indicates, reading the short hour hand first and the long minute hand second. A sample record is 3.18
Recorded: 11.03
